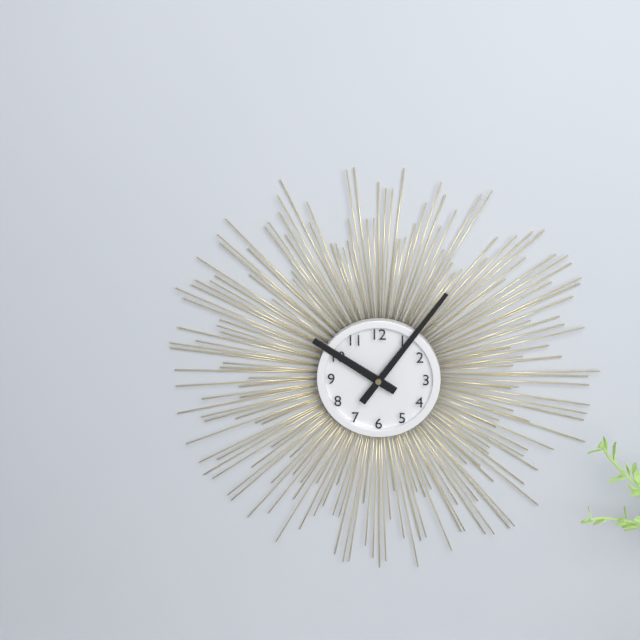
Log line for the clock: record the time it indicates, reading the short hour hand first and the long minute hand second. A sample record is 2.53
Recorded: 10.06
